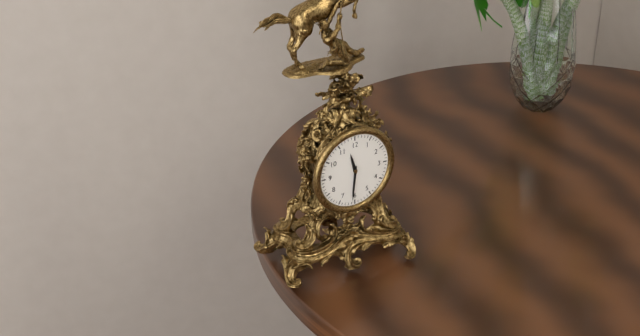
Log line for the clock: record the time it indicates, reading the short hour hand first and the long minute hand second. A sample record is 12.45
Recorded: 11.31
